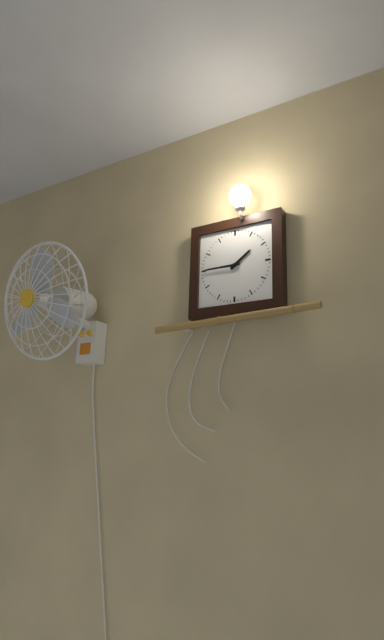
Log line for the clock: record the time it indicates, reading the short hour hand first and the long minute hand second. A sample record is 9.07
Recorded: 1.45
